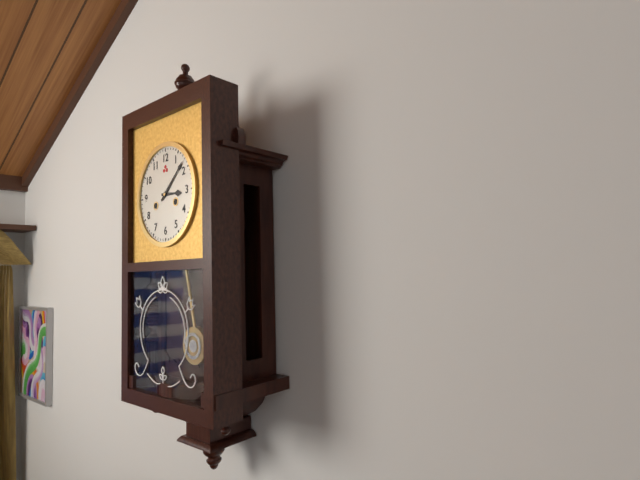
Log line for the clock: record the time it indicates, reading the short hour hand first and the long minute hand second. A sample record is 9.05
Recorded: 3.08
